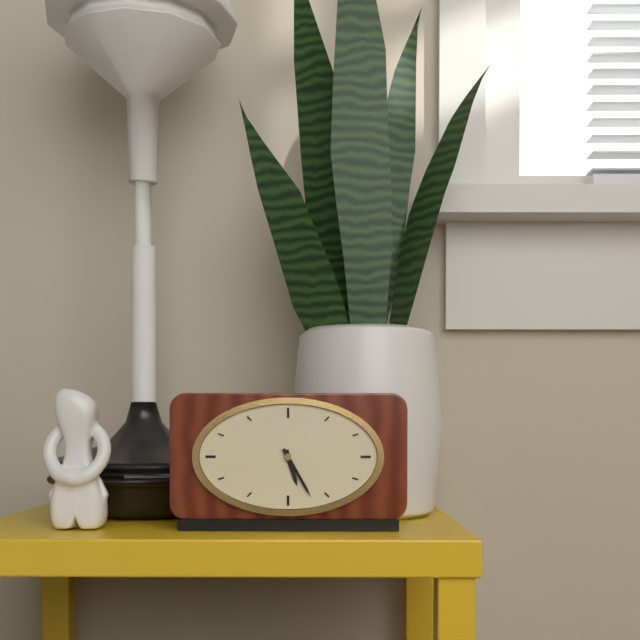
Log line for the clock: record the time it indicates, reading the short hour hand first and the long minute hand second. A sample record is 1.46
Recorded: 5.25
